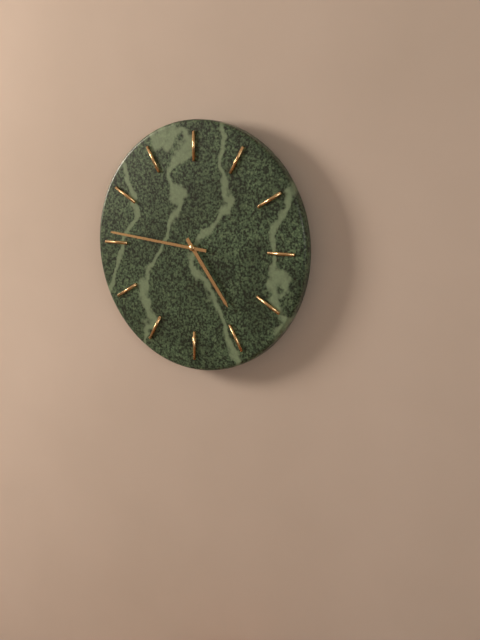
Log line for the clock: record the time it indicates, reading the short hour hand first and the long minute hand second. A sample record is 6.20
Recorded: 4.46
